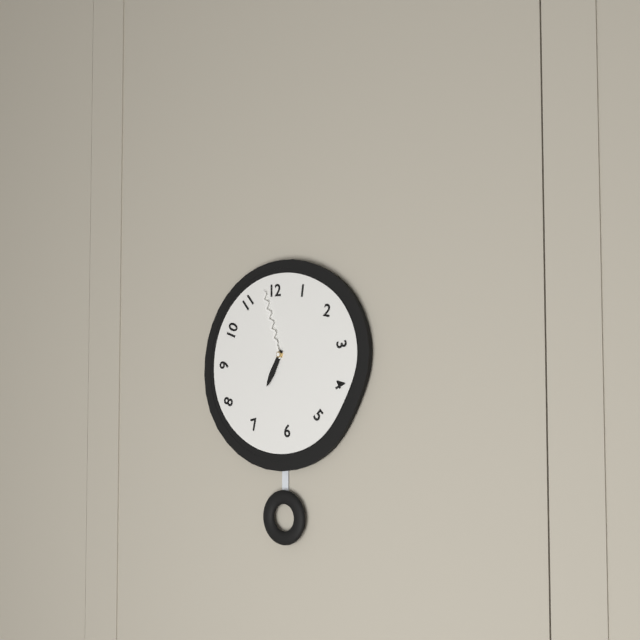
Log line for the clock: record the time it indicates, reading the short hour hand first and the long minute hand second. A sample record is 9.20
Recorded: 6.57
